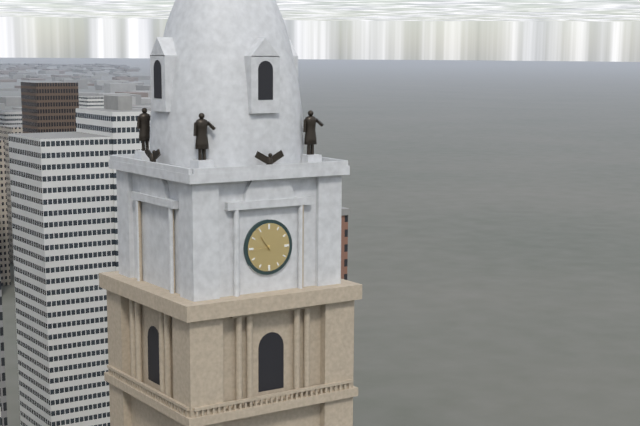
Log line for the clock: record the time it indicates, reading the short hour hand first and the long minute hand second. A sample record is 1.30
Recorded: 10.44
